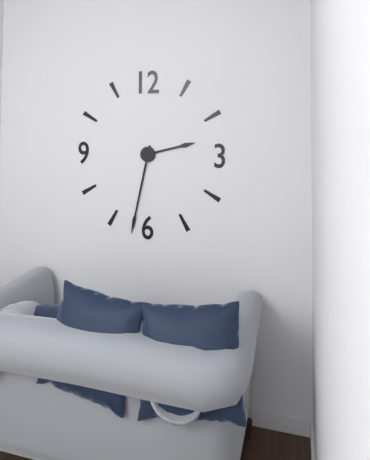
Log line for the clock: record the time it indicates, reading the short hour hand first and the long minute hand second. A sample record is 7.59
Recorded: 2.32
